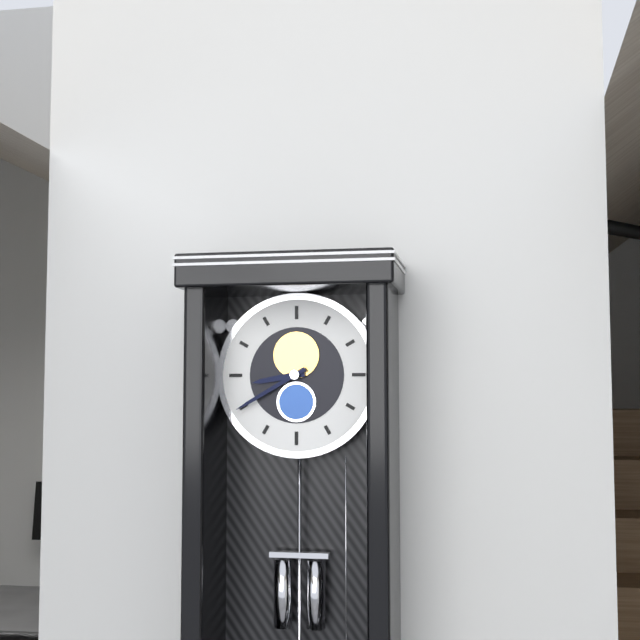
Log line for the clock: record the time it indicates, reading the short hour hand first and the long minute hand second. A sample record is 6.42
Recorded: 8.40
